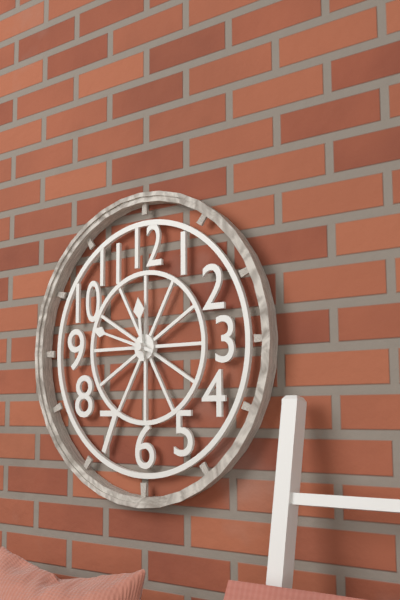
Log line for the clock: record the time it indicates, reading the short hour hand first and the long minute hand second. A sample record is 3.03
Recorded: 11.48
